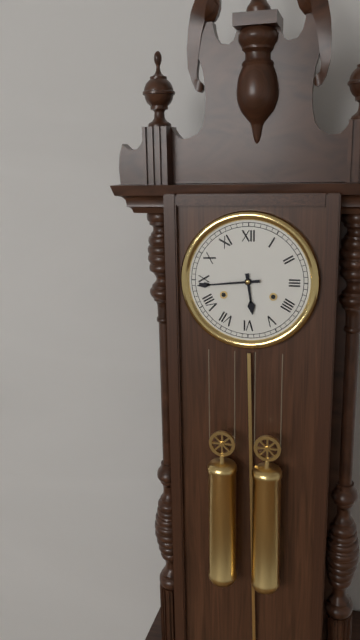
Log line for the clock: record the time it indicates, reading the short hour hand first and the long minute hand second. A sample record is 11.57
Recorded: 5.44
